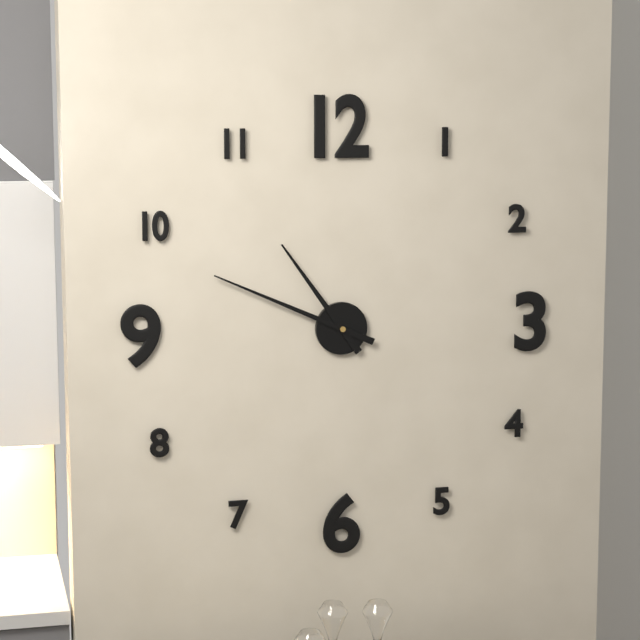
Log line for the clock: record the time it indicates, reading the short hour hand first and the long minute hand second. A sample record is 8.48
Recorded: 10.49
